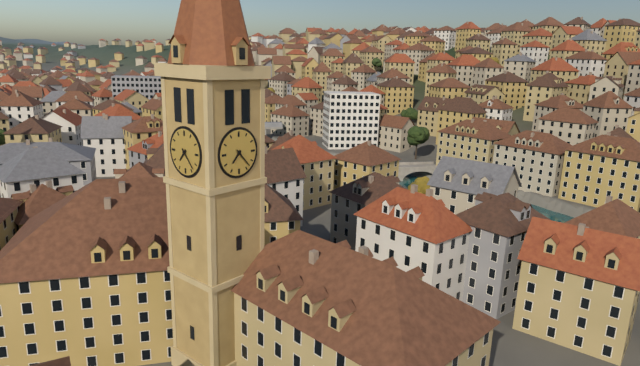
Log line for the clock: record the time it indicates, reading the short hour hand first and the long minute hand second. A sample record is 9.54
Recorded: 7.23
